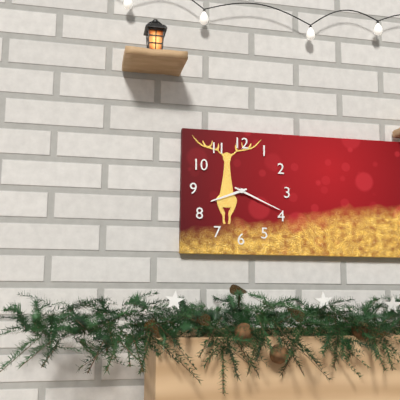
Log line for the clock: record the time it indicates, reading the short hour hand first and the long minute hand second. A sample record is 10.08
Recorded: 8.19
